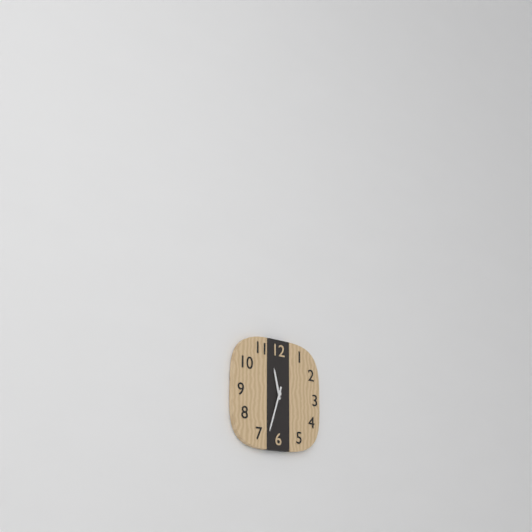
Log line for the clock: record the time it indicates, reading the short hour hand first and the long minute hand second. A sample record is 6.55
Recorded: 11.33
